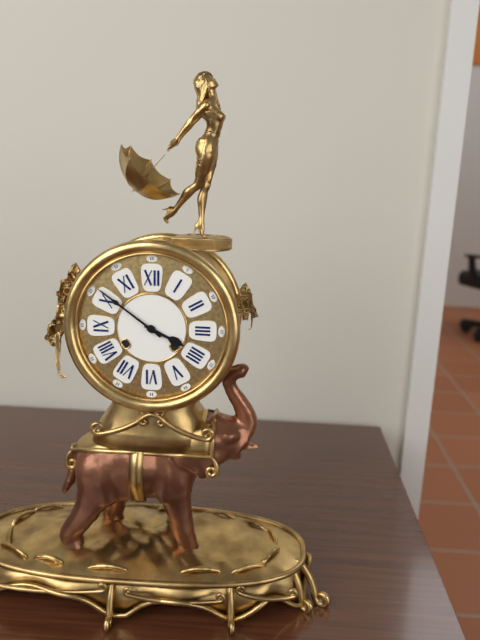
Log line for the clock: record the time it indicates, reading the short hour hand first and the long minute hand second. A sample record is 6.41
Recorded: 3.51
